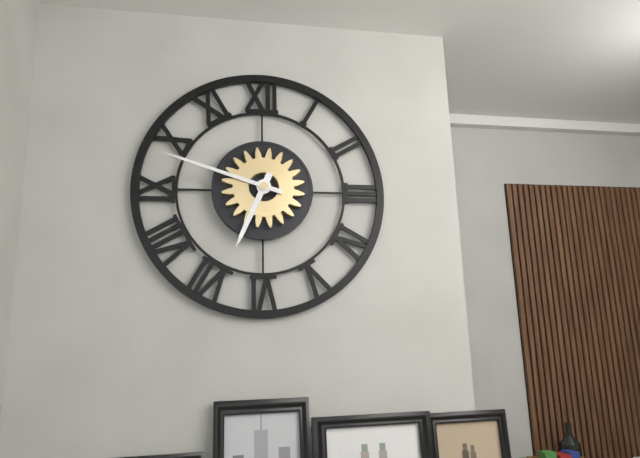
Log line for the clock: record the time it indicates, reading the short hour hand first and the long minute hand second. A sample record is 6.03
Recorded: 6.48
